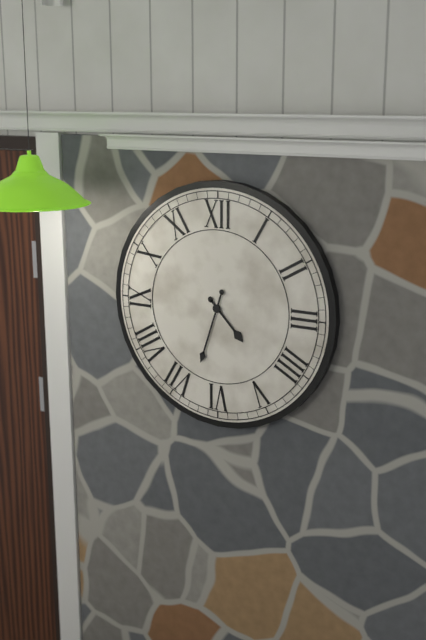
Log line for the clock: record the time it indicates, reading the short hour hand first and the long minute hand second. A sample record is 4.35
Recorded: 4.33
